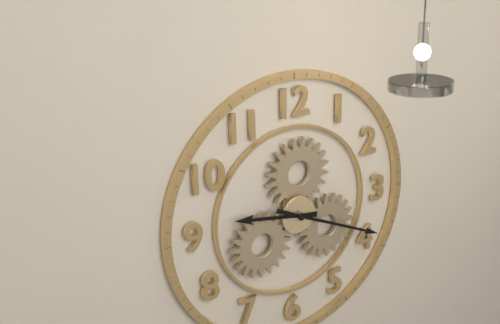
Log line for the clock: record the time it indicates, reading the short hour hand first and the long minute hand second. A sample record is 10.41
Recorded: 9.19
